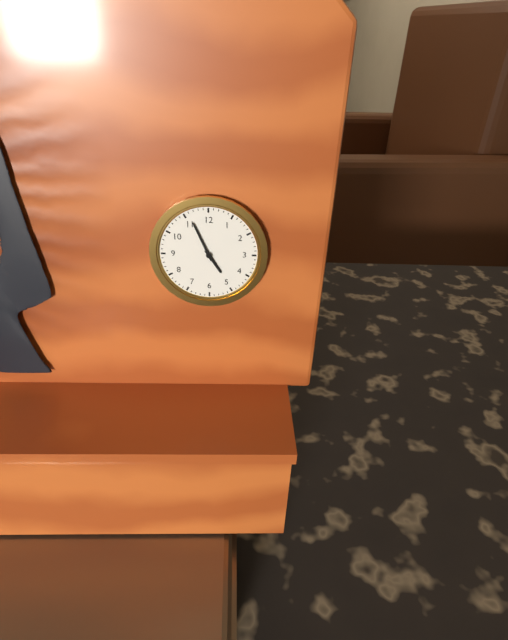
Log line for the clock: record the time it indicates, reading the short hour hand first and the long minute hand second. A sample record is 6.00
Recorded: 4.56
